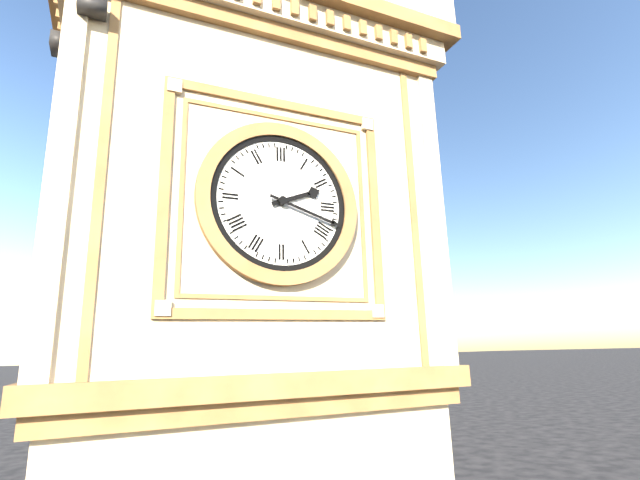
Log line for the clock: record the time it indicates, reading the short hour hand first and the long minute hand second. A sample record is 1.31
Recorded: 2.18
